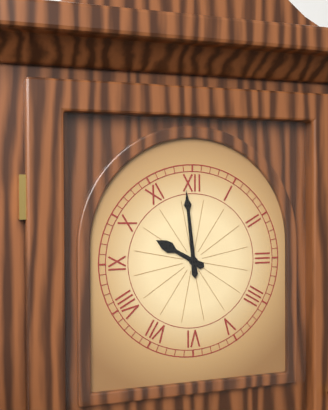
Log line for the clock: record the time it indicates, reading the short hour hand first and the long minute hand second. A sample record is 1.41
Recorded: 9.59
